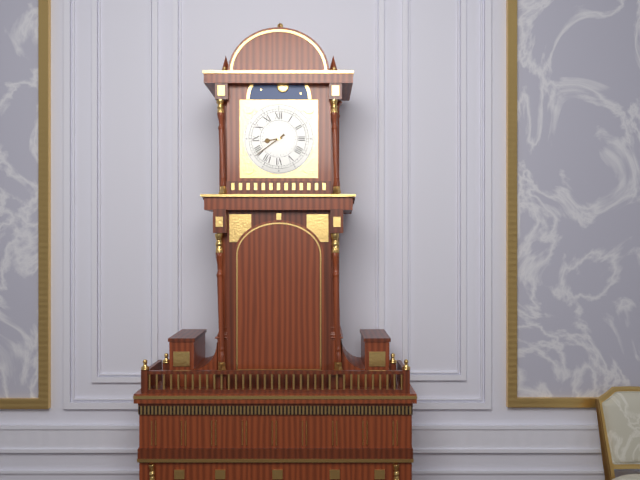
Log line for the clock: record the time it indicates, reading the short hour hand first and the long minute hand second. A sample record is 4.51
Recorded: 8.39
